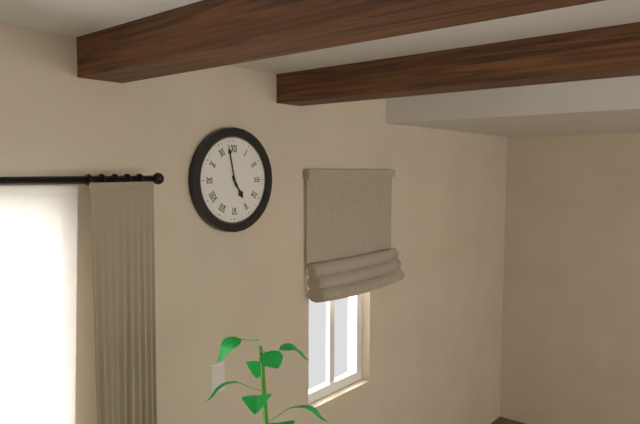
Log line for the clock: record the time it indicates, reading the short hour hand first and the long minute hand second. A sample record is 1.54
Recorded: 4.58
